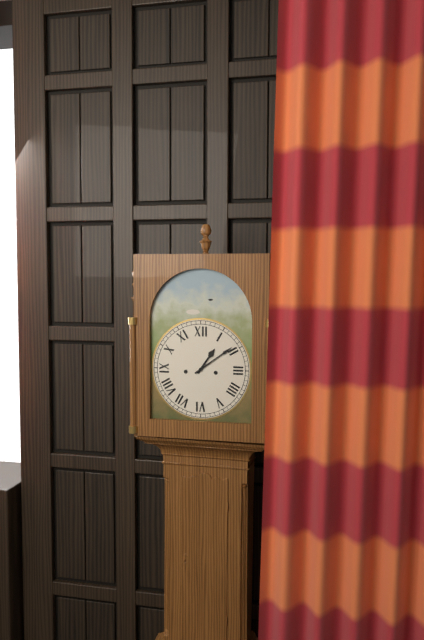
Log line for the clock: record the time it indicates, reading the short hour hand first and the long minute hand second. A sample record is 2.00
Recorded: 1.09
